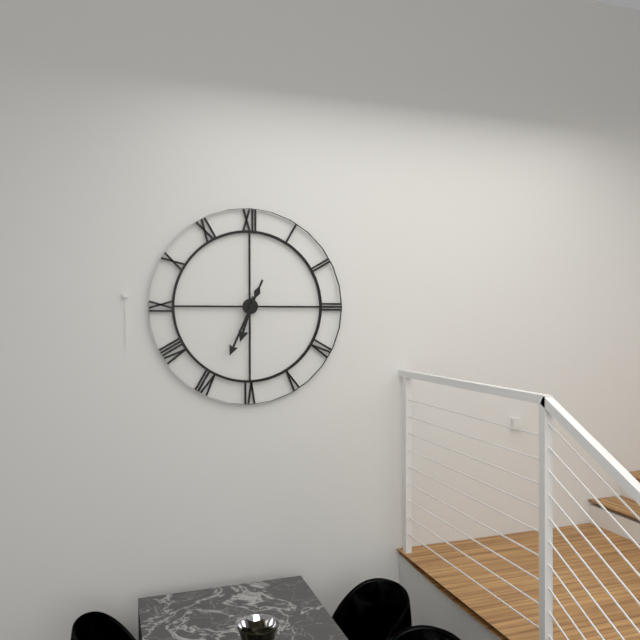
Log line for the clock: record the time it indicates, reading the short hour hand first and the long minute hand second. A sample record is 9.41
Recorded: 6.34
